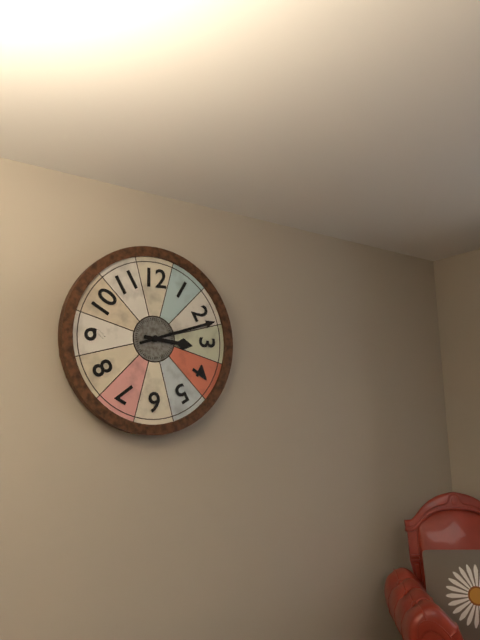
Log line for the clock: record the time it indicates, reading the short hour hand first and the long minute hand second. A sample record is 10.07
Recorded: 3.12
